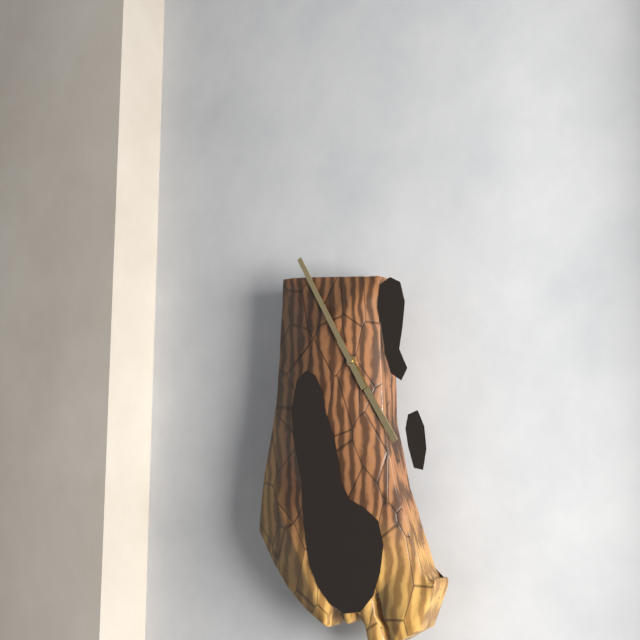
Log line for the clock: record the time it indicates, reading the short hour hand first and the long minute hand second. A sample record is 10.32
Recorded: 4.55
